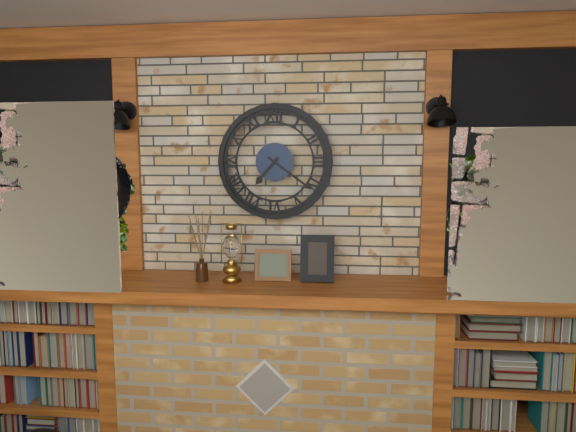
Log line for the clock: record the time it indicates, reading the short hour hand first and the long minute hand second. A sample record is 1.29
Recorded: 7.21
